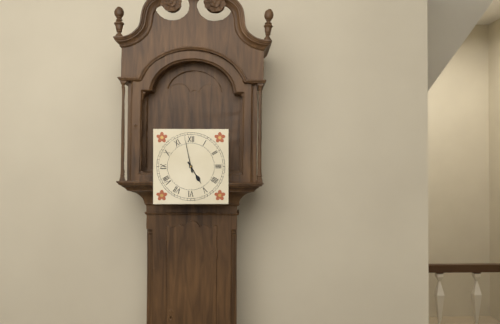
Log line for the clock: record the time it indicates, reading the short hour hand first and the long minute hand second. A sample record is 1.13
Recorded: 4.58
